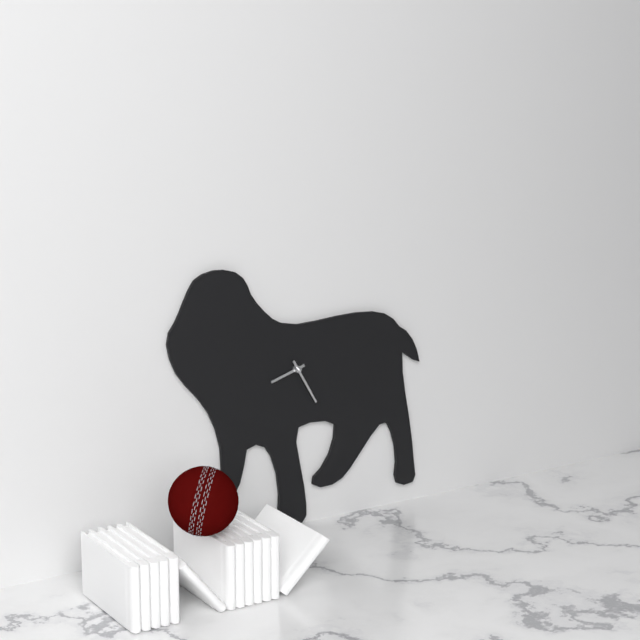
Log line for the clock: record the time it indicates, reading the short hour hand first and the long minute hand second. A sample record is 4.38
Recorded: 8.25
